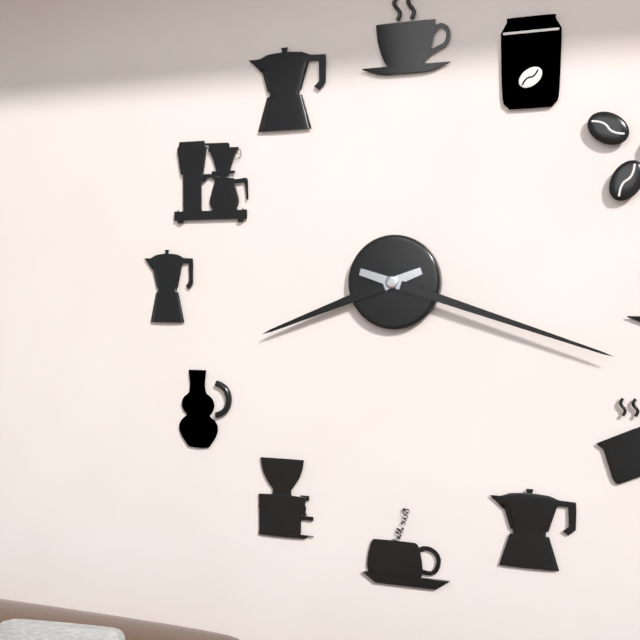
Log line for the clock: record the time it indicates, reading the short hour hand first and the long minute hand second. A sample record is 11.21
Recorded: 8.18
